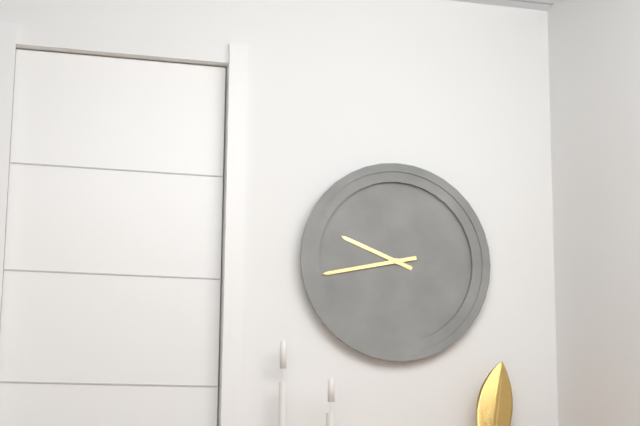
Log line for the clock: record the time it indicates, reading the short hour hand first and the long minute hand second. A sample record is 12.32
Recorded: 9.43
